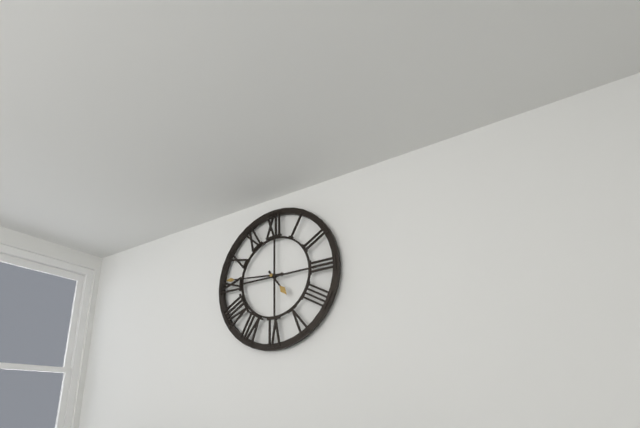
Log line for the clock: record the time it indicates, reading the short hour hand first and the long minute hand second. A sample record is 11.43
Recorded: 4.46
